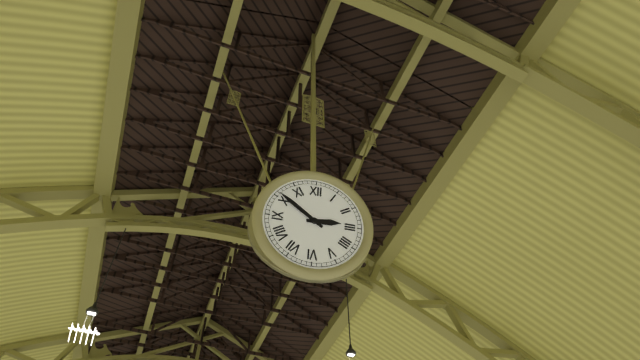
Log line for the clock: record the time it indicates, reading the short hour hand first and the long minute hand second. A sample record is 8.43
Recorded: 2.51
